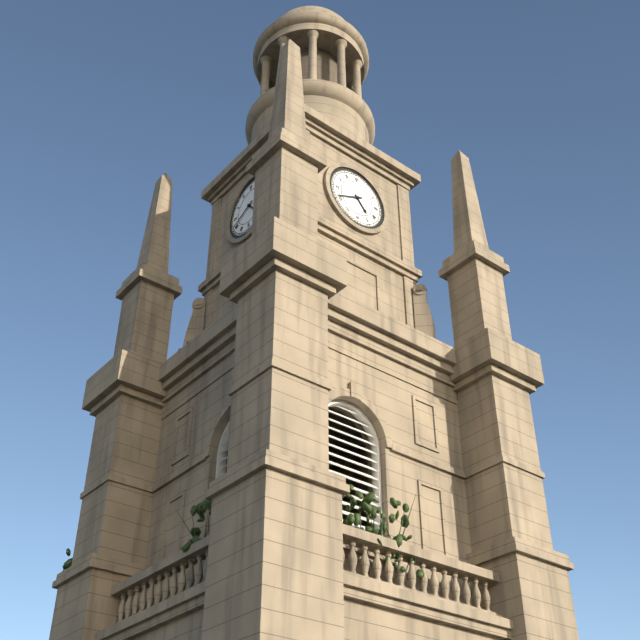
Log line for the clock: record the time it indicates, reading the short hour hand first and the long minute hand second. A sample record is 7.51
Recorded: 4.41
